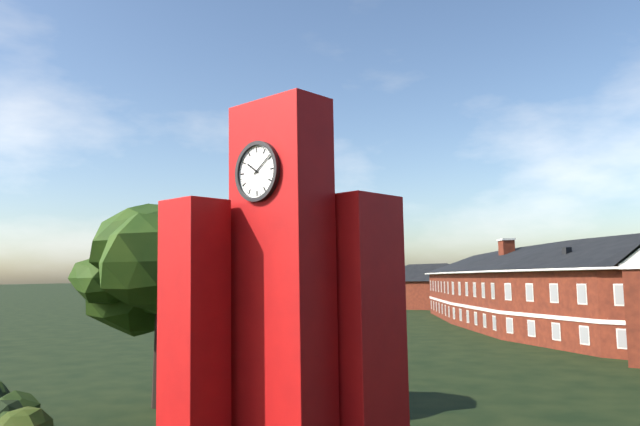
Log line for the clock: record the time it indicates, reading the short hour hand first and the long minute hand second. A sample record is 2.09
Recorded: 10.09
